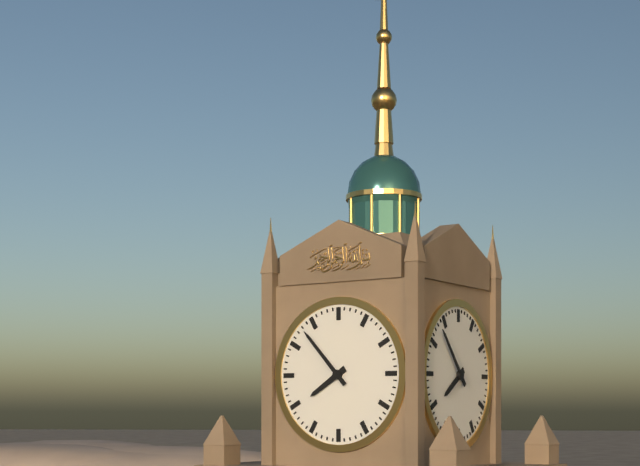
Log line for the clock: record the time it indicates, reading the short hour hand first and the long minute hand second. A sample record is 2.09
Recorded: 7.53
